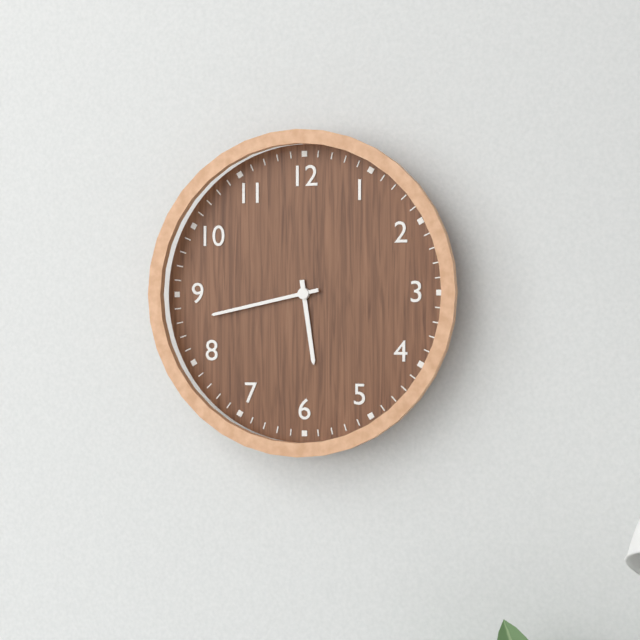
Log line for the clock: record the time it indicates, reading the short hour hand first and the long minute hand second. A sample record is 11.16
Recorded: 5.43
